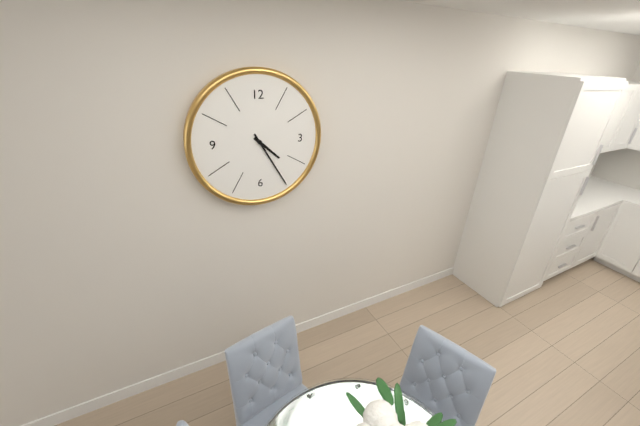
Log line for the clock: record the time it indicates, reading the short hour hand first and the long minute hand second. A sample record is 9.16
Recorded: 4.25
